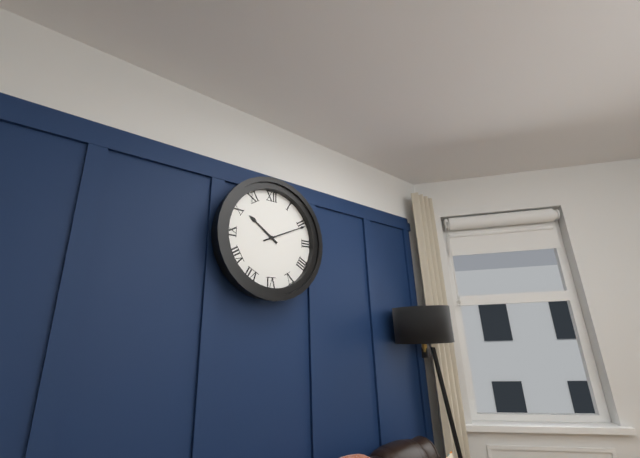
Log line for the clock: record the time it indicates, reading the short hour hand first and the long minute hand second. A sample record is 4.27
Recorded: 10.11
